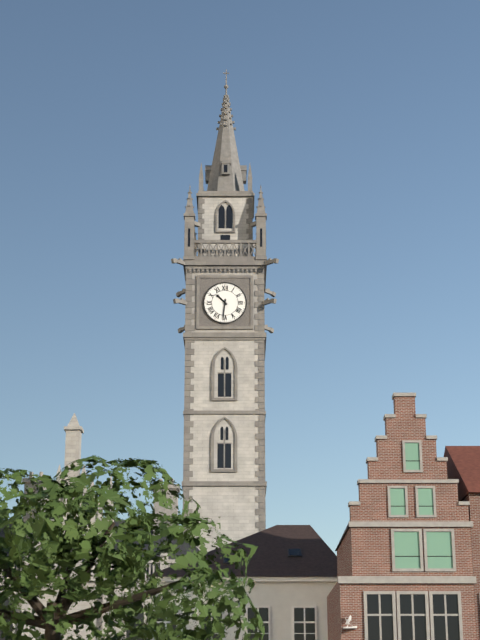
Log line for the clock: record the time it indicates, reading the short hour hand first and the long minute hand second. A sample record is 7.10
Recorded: 10.31
